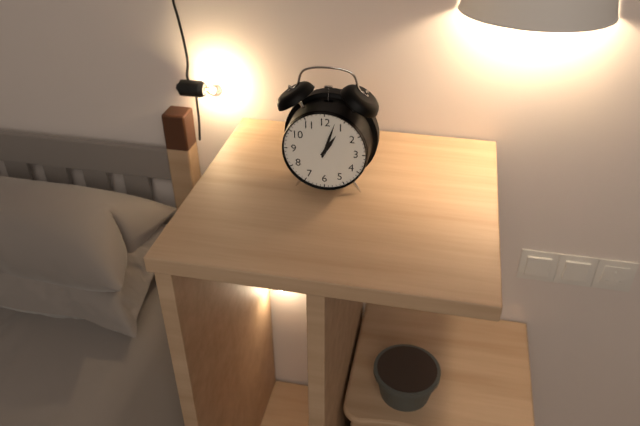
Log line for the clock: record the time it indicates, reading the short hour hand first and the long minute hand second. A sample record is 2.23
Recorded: 1.03
